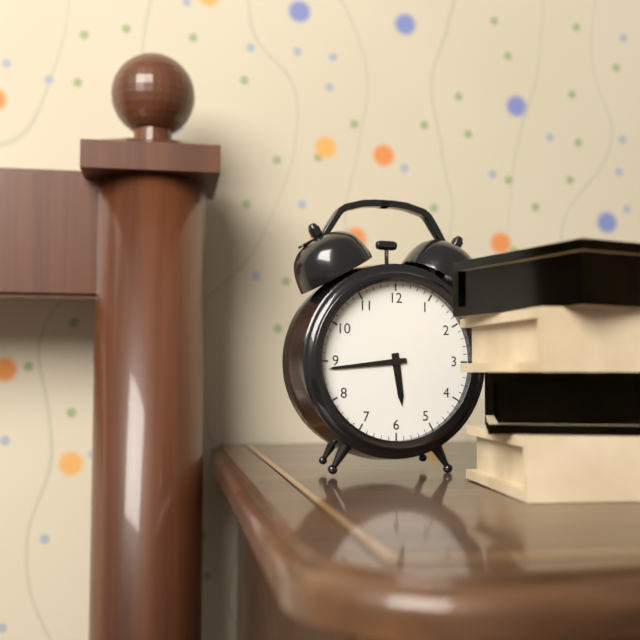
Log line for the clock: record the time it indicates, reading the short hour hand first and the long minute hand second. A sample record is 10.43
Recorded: 5.44
